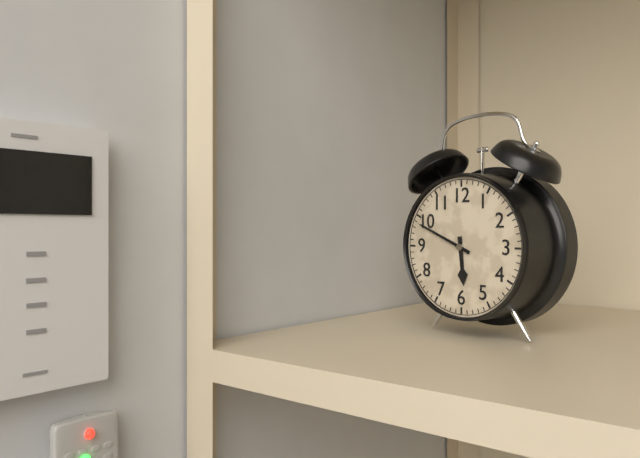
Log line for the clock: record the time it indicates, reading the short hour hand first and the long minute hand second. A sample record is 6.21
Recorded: 5.49
